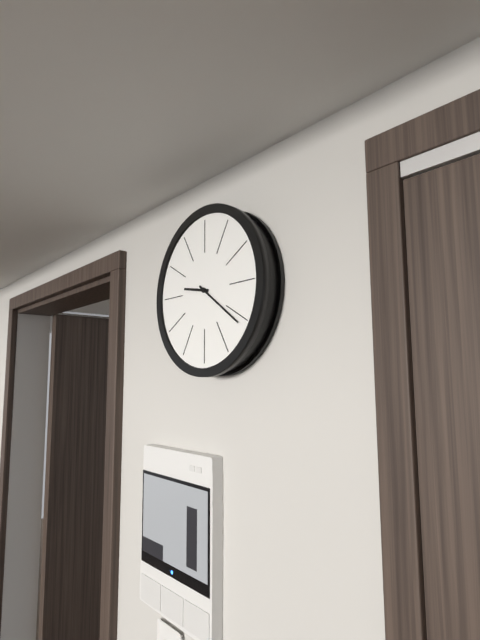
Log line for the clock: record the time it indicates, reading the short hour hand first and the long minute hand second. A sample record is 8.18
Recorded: 9.21
